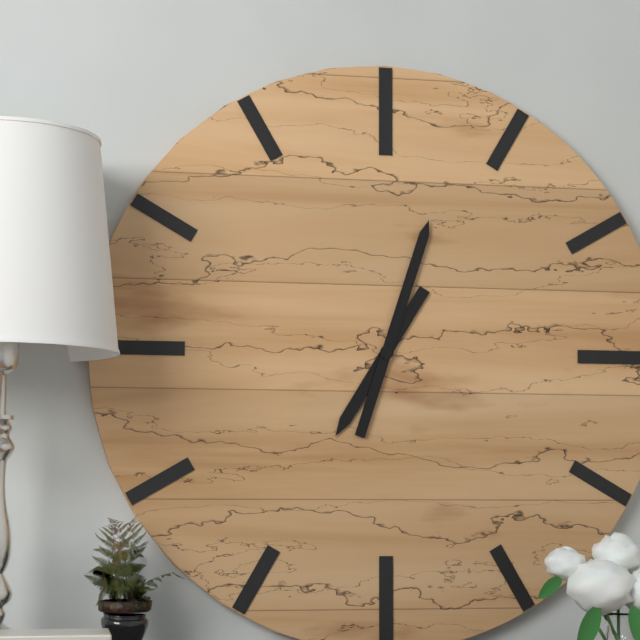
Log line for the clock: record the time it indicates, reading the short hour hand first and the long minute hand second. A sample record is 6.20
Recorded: 7.03
